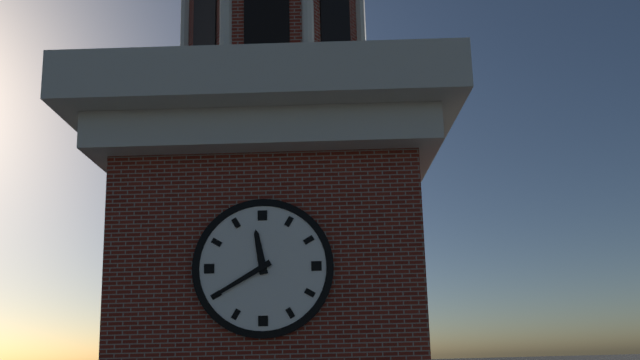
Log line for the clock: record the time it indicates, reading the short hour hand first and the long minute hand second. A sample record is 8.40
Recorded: 11.40
